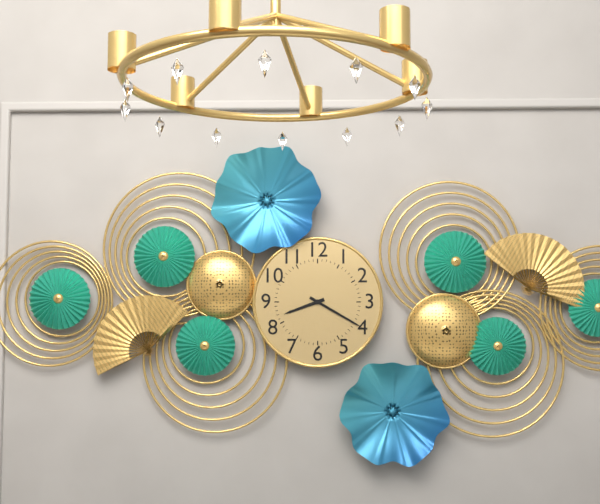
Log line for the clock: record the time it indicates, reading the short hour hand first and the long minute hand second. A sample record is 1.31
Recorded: 8.20
